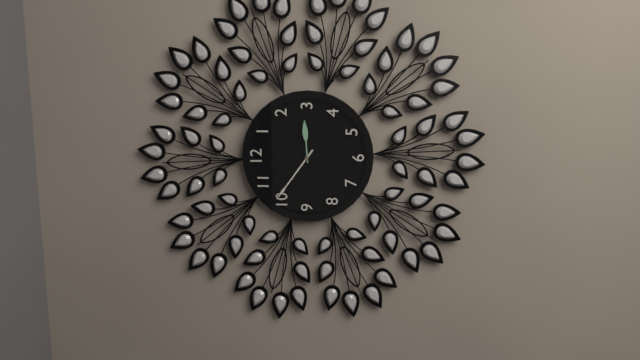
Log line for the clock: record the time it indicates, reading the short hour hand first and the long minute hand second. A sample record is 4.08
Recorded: 2.51
